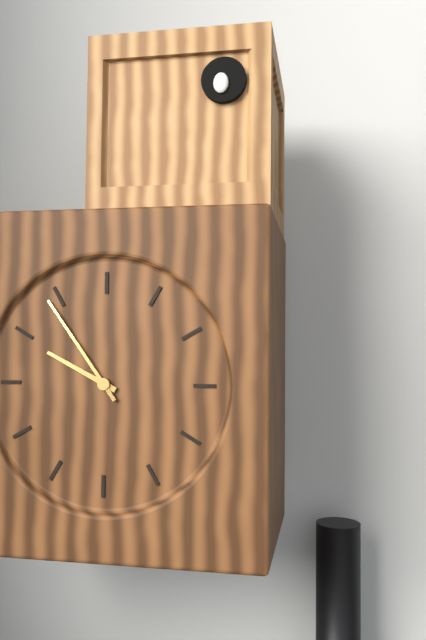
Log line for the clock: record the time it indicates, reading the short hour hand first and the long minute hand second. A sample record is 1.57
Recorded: 9.54
